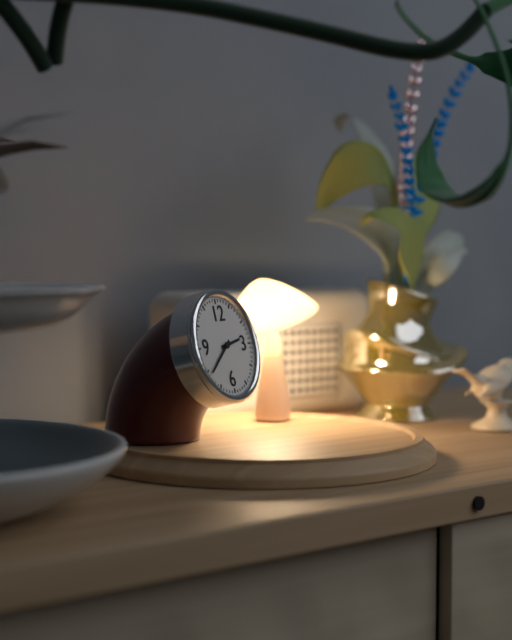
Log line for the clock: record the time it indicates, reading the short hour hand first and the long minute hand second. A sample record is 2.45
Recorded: 2.39
